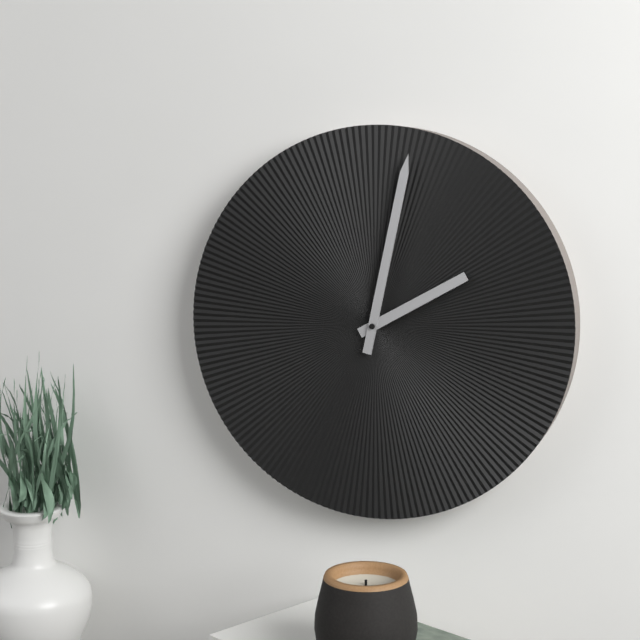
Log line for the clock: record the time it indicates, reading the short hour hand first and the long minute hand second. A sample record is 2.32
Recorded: 2.02
